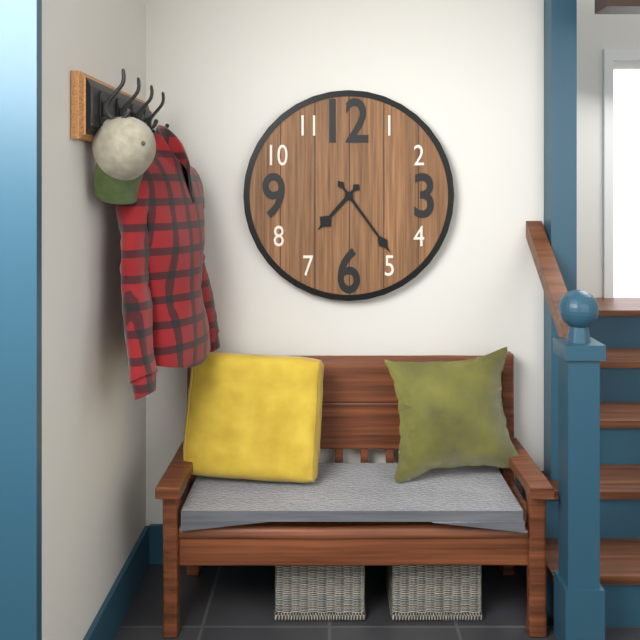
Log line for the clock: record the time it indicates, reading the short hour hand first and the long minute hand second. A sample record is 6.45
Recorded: 7.24
